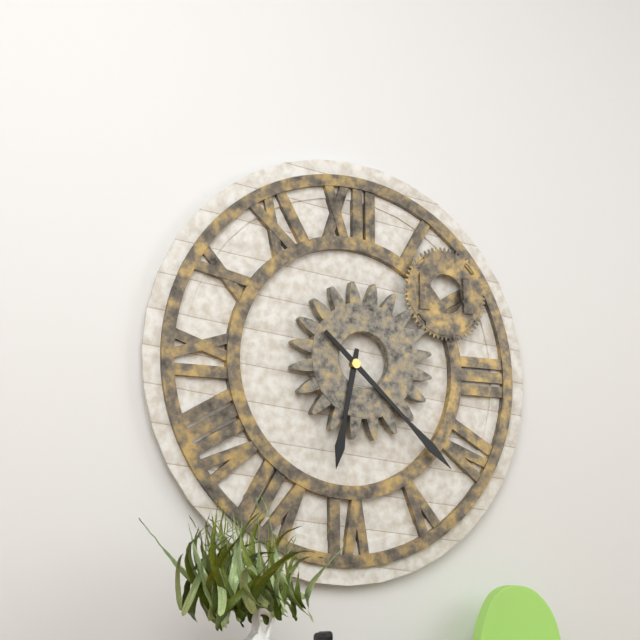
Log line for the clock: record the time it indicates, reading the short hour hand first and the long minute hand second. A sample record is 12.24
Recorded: 6.22
